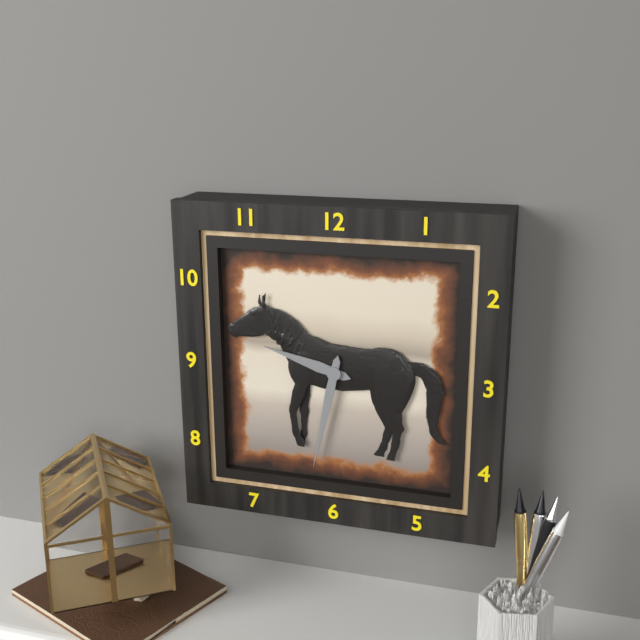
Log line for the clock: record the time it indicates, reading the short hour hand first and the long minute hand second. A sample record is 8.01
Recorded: 9.32
